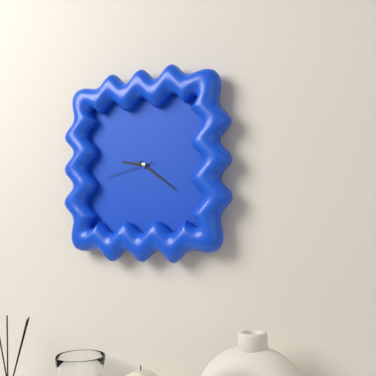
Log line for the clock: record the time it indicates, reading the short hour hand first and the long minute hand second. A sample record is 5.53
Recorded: 9.21
